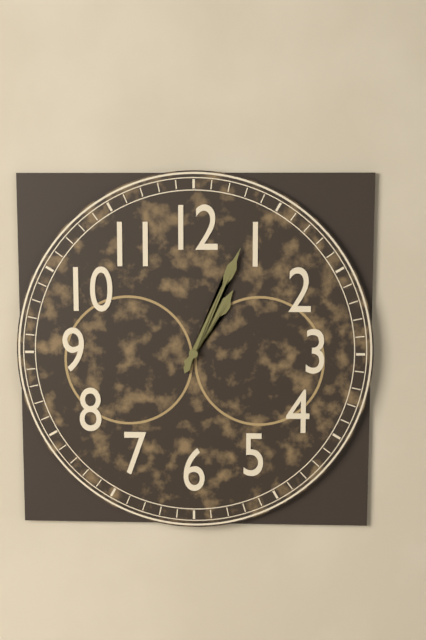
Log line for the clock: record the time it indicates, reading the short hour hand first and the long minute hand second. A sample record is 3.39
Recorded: 1.04
